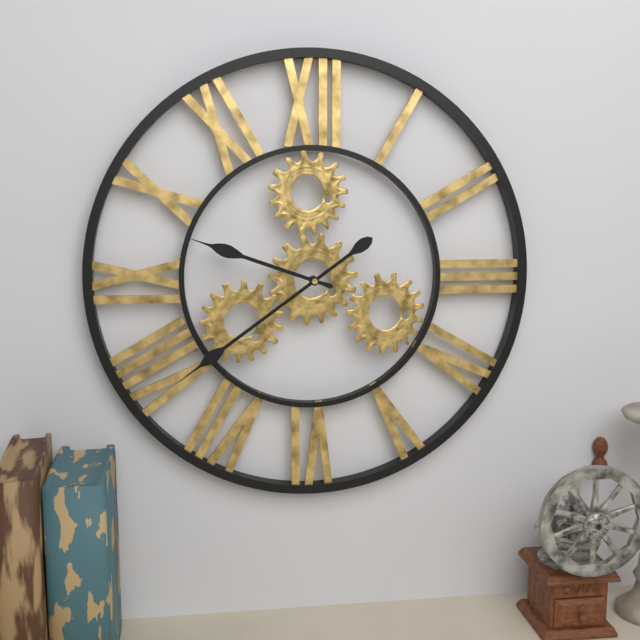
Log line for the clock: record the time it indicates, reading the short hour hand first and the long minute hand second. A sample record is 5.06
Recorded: 9.39
